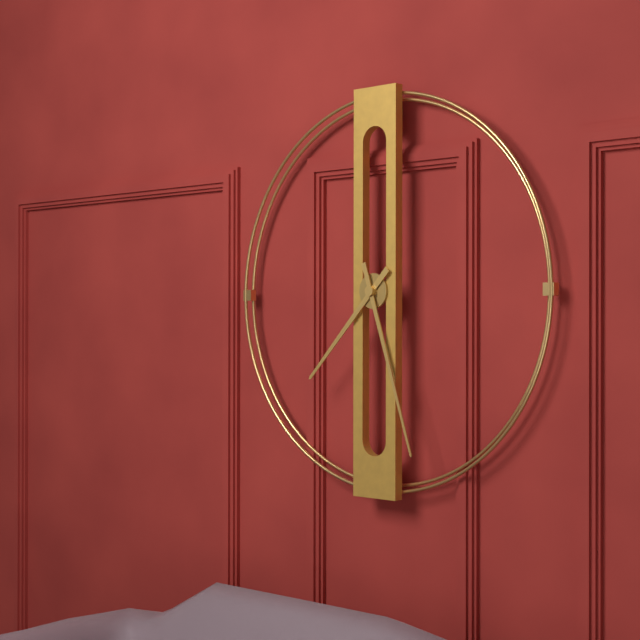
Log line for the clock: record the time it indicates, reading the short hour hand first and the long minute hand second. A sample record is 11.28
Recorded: 7.27
